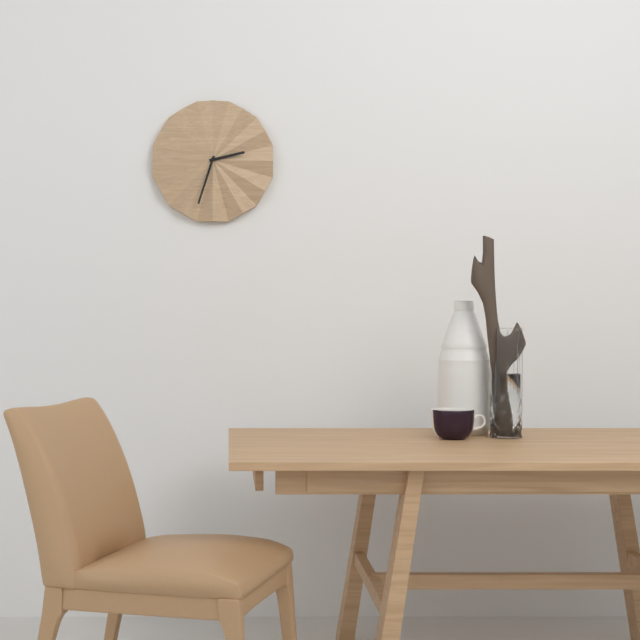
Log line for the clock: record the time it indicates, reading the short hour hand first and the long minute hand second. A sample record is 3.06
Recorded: 2.33
